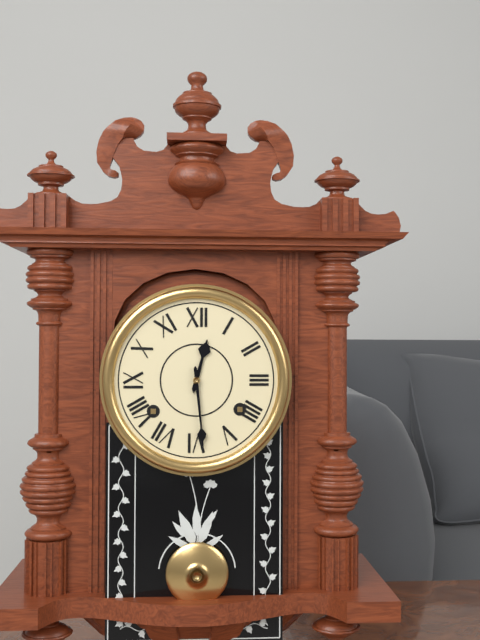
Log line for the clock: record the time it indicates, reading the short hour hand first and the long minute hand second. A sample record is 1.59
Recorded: 12.29
